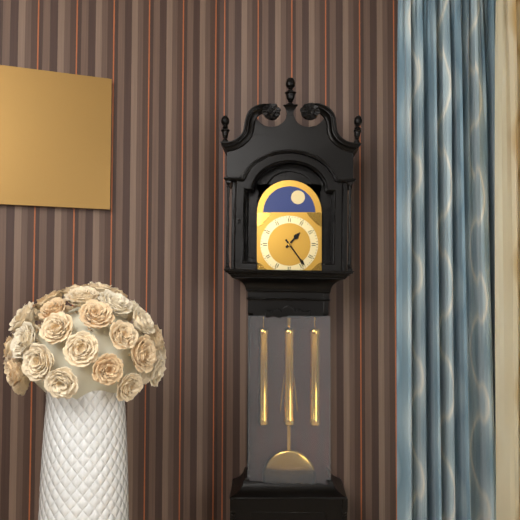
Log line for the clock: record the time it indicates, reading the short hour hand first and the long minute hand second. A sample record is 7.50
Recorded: 1.24
